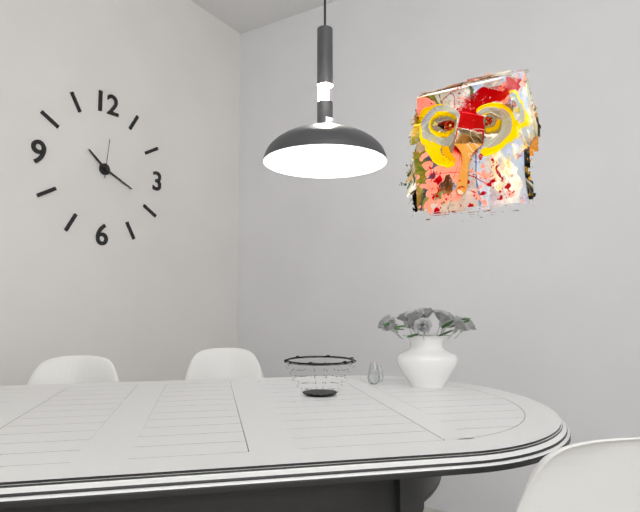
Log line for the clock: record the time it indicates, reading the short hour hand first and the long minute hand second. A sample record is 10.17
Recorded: 10.19
